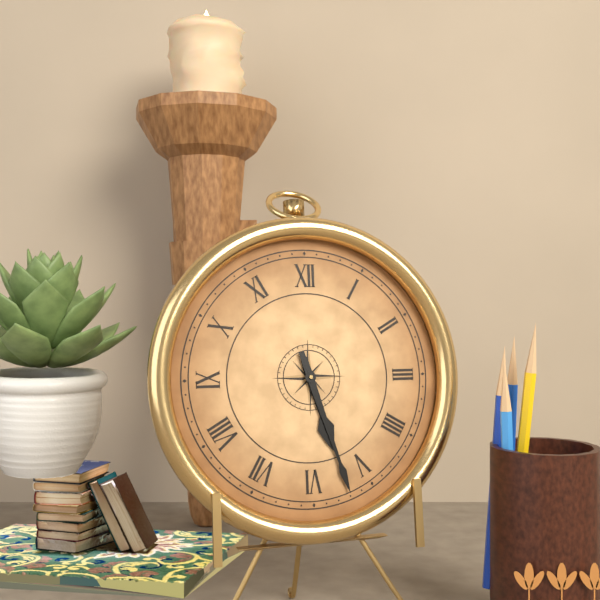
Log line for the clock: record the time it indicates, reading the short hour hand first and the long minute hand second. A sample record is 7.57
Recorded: 5.27
